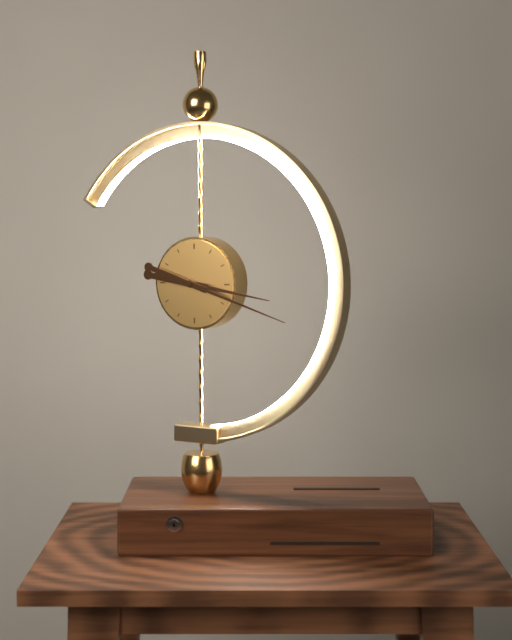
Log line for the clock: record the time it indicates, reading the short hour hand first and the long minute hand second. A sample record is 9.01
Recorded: 3.18
